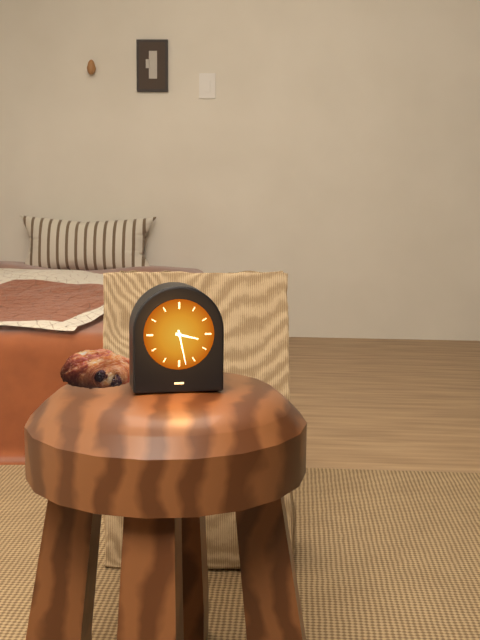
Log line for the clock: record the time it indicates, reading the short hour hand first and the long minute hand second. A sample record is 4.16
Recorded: 3.28
